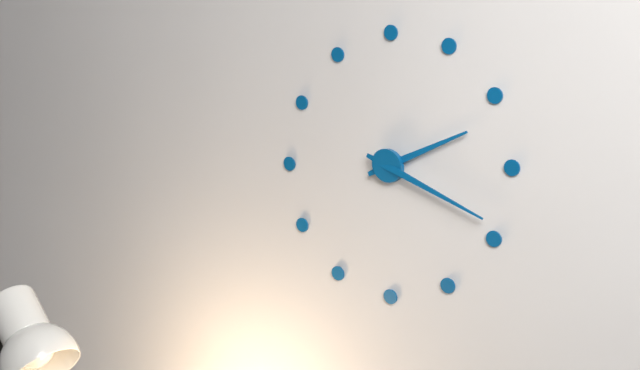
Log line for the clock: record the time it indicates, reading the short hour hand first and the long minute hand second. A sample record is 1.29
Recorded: 2.19
